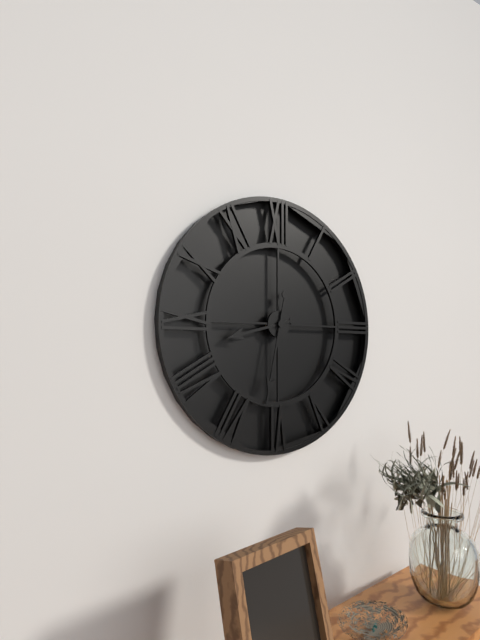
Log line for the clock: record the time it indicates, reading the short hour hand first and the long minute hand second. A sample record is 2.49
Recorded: 8.32
